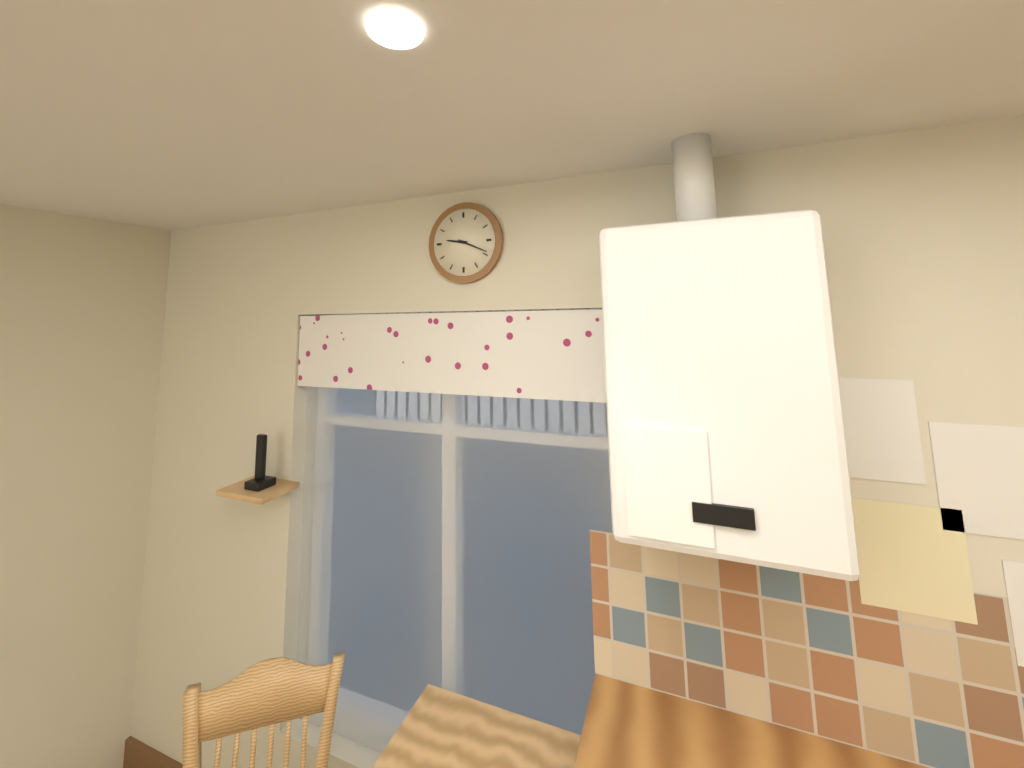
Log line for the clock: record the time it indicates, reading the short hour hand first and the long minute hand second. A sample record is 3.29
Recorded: 9.19
